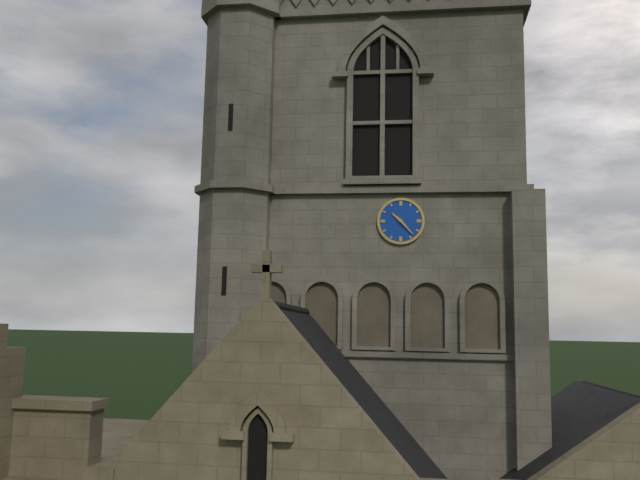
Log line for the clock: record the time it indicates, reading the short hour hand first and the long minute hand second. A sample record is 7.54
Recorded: 10.23
